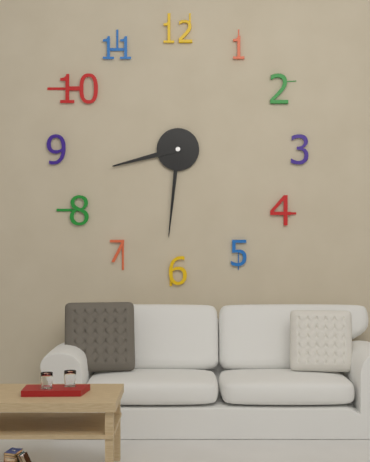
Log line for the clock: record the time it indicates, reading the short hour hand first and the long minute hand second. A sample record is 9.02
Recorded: 8.31
